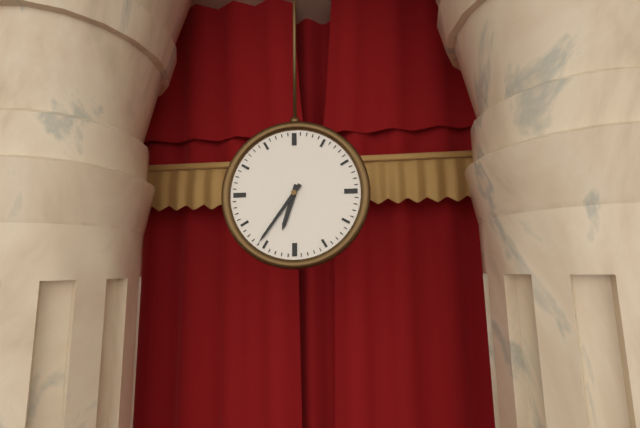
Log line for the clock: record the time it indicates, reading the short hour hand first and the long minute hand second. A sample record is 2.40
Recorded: 6.36
